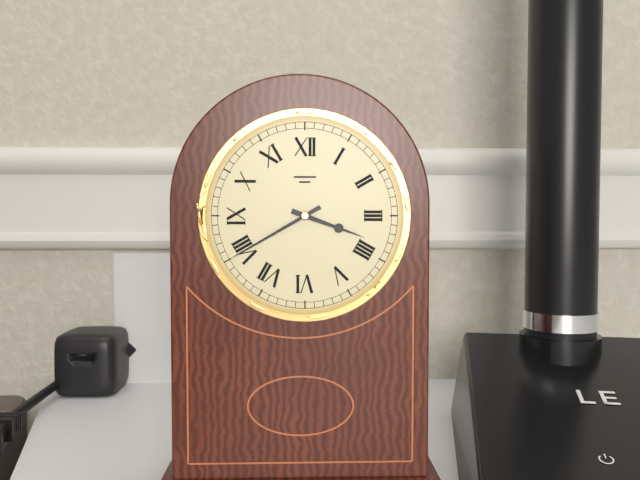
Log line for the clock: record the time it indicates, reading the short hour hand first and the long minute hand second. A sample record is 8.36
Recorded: 3.40
